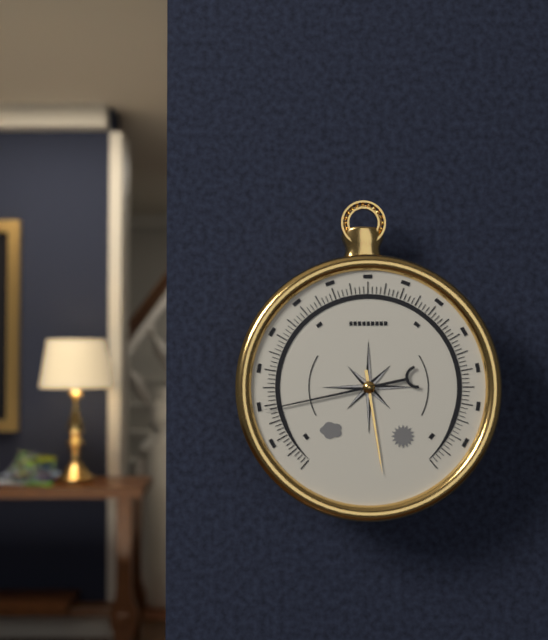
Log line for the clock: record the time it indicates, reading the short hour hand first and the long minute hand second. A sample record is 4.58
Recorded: 5.43
